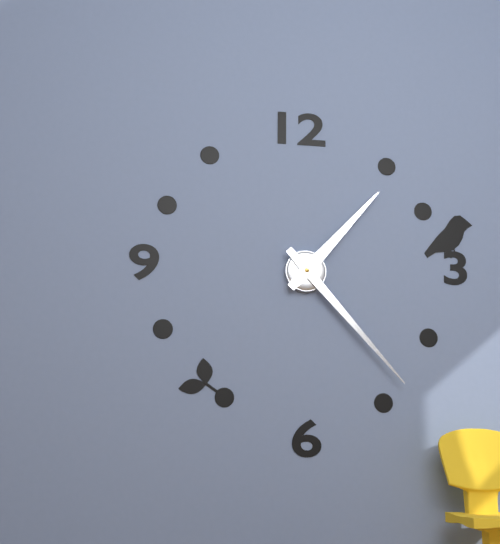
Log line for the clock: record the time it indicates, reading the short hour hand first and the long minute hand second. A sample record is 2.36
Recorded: 1.23
